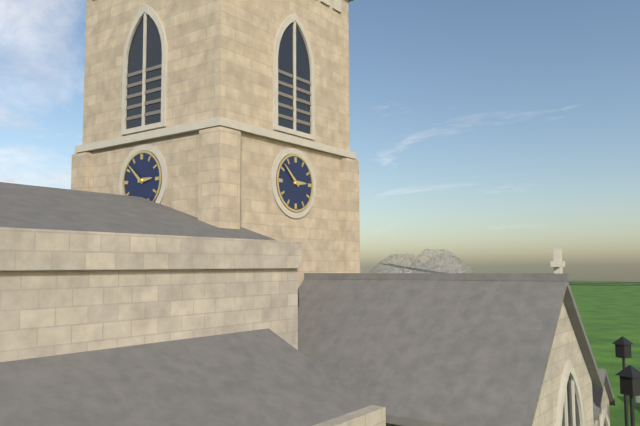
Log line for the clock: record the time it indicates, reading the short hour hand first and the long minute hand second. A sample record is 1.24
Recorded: 2.52
